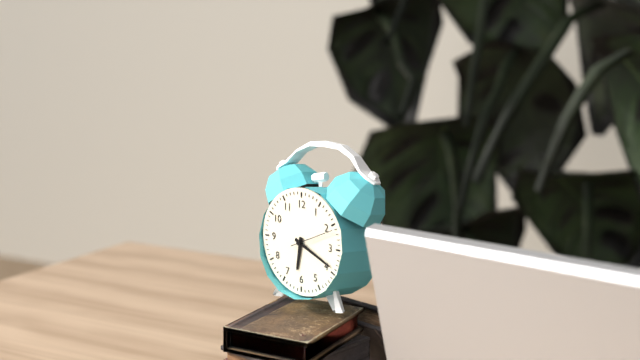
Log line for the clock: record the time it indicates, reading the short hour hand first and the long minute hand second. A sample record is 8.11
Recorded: 6.19
